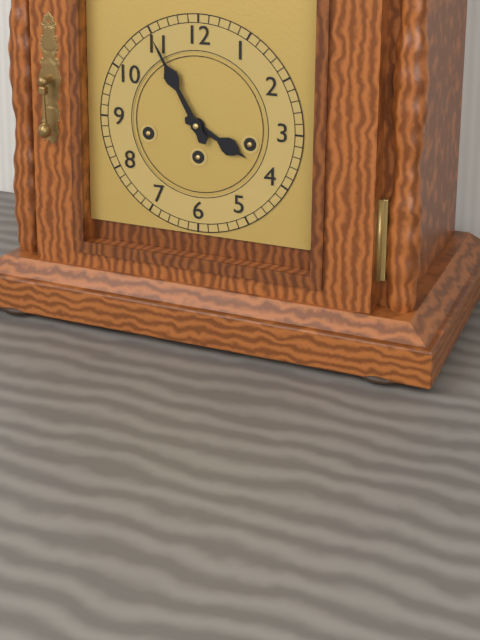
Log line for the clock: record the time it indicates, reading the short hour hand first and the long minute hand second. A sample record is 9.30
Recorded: 3.55
